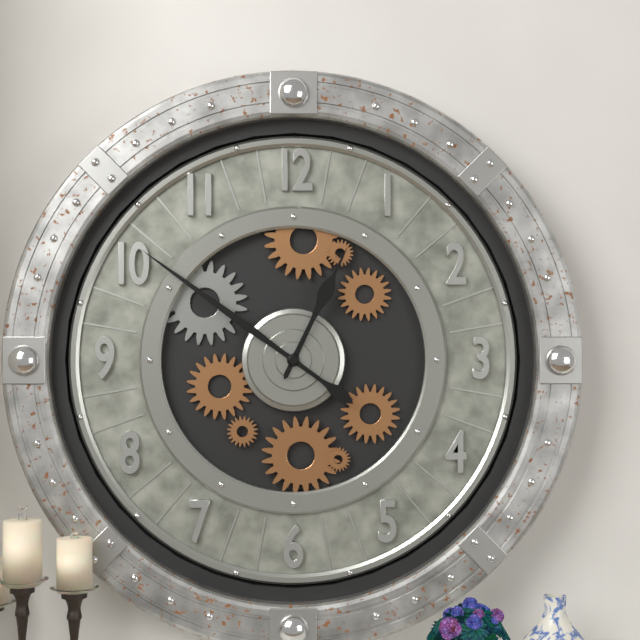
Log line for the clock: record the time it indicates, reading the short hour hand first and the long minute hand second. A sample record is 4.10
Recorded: 12.51
